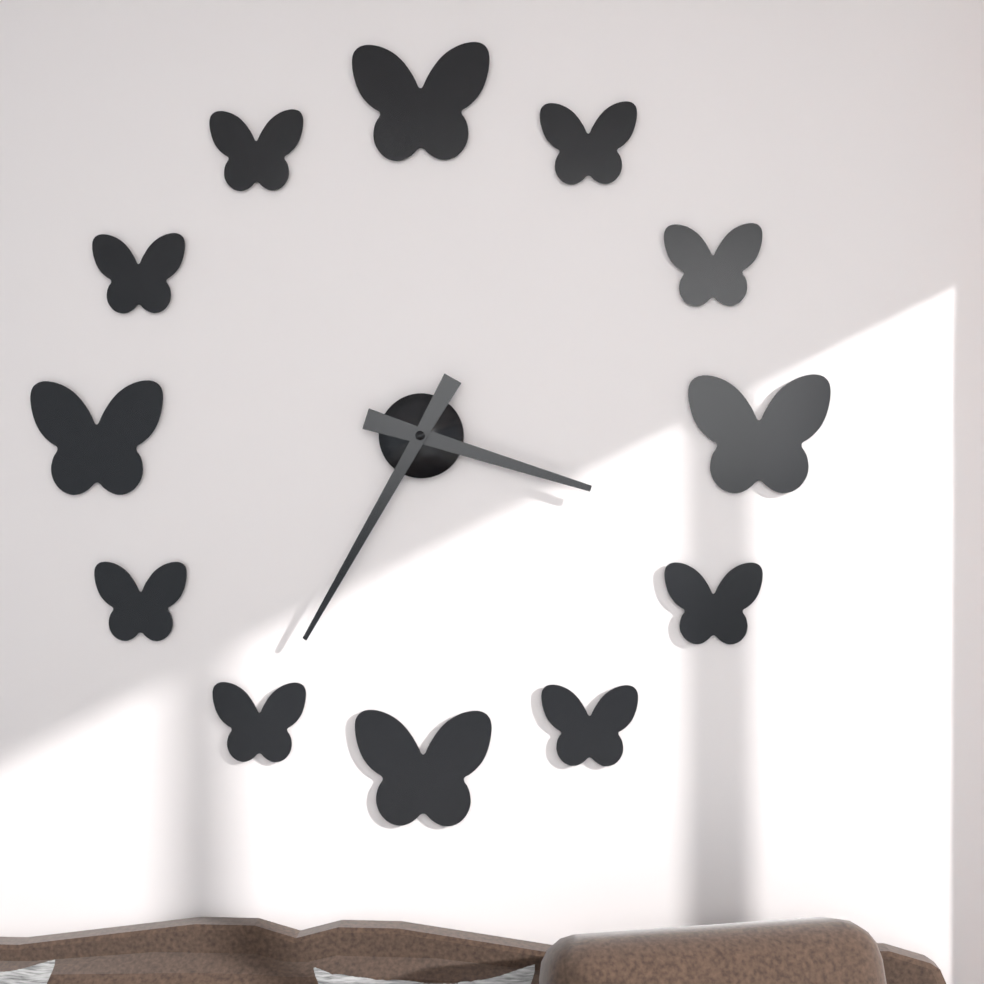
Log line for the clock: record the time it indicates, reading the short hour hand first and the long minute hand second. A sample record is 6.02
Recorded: 3.35
